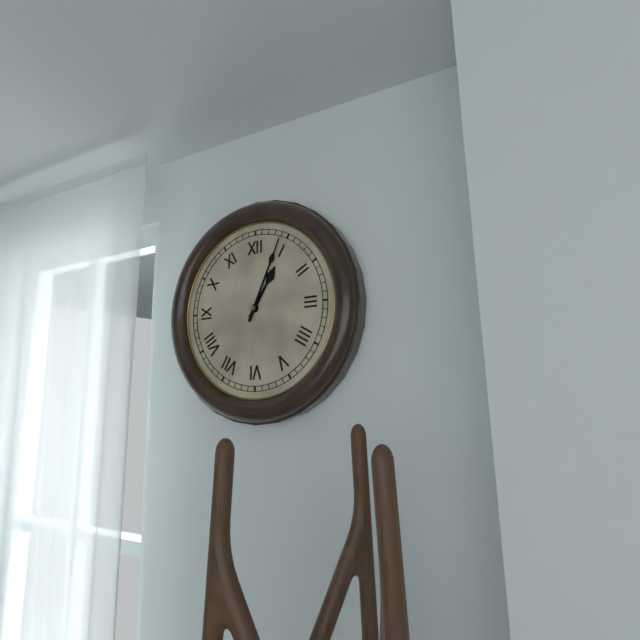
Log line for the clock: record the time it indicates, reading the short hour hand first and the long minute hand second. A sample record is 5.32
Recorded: 1.04
